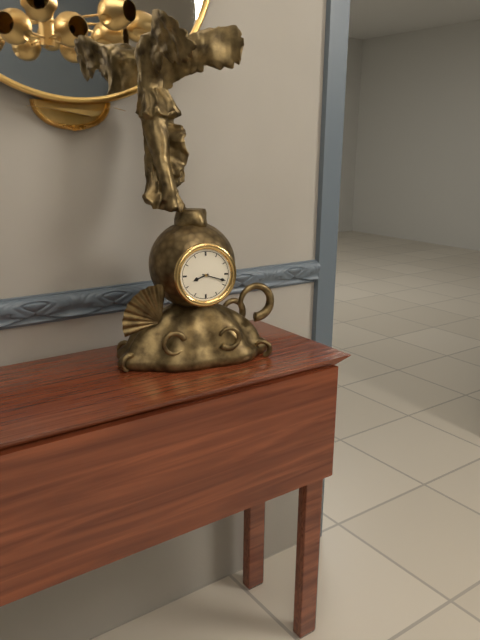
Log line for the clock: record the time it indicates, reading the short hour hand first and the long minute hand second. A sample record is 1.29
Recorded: 8.18
